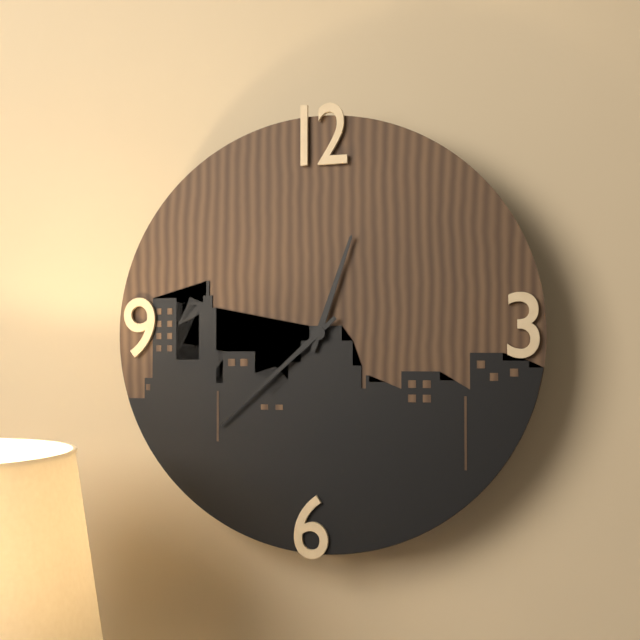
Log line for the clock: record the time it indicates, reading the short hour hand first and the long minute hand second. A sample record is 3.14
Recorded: 12.38
